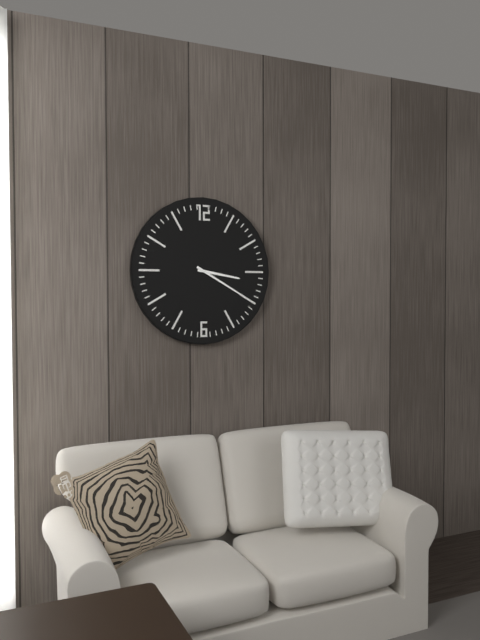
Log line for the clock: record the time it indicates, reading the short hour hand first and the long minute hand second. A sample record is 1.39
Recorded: 3.20
